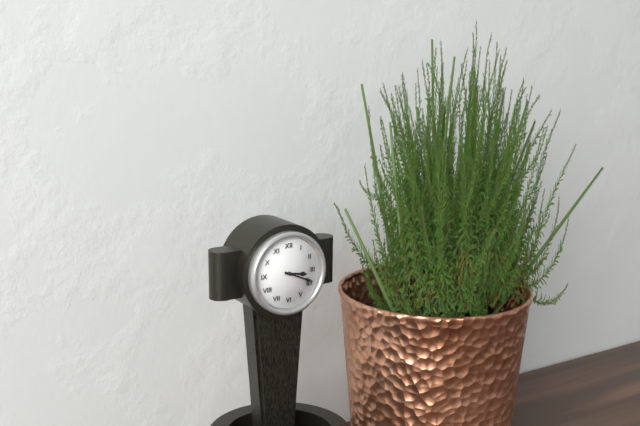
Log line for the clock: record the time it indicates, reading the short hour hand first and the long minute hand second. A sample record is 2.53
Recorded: 3.19
